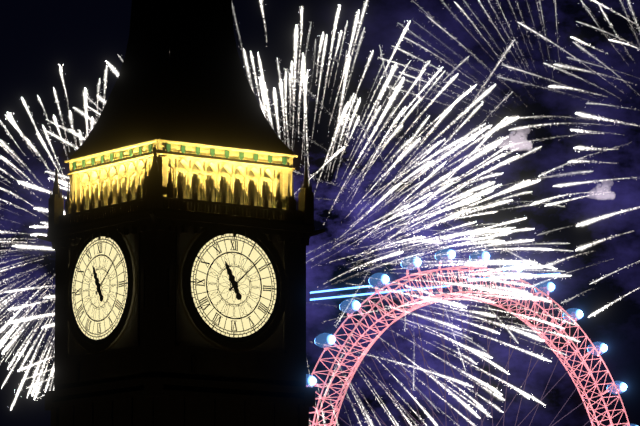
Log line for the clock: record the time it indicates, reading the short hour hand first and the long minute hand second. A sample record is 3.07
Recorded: 11.08
